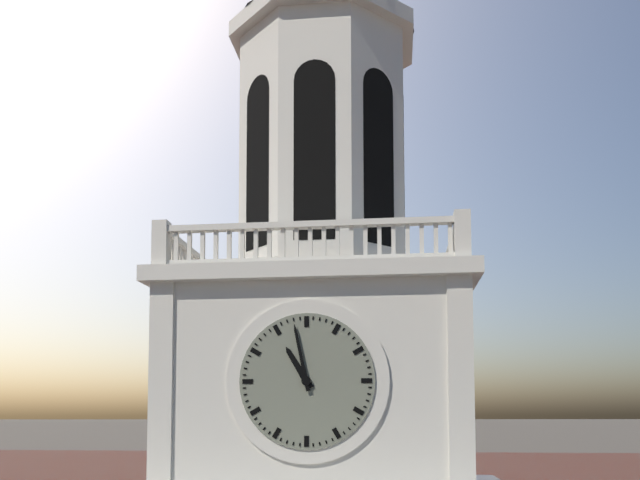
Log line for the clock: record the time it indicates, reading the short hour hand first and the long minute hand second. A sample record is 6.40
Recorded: 10.58
